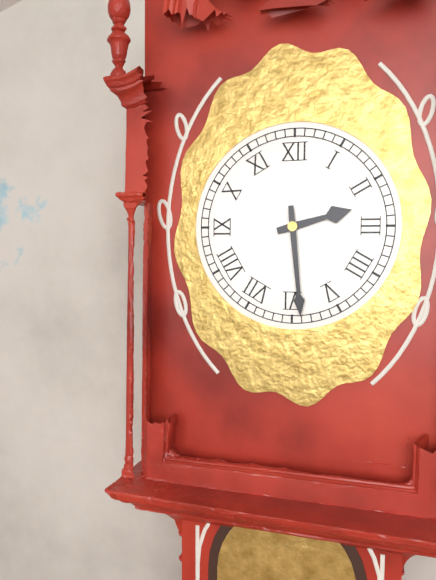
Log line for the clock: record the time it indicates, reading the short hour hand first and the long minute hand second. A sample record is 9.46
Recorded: 2.29
